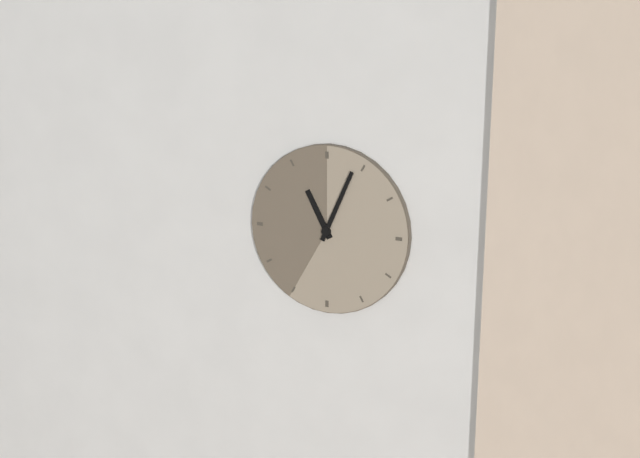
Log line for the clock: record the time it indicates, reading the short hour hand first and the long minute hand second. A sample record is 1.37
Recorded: 11.04
